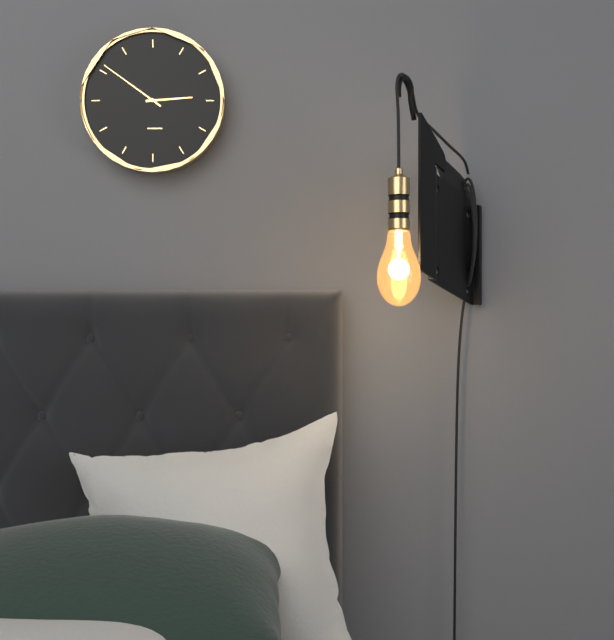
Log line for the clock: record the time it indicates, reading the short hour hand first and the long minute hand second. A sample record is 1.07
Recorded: 2.51
